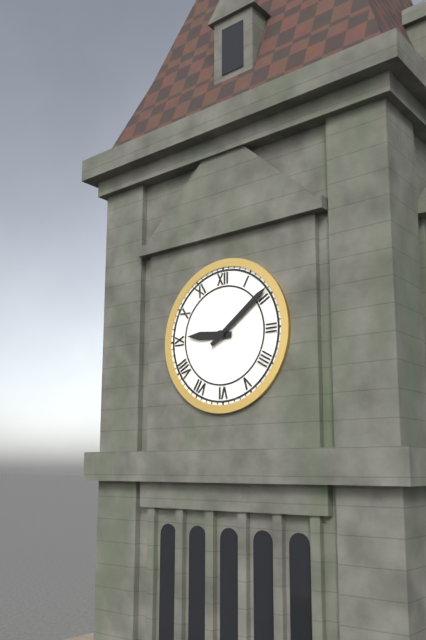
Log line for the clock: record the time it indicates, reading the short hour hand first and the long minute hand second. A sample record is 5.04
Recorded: 9.09
